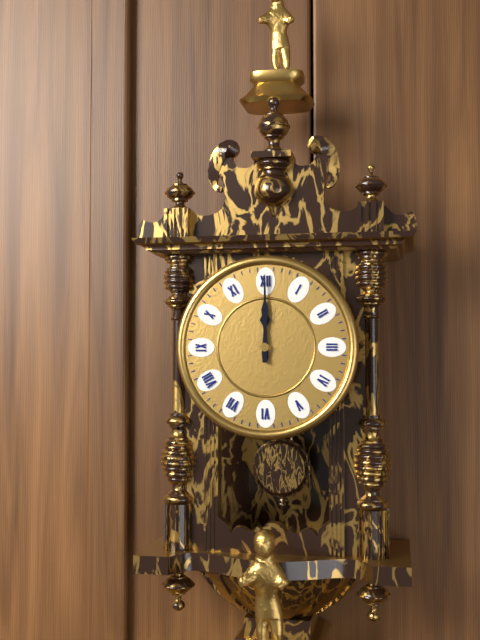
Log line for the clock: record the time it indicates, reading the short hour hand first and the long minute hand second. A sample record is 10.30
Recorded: 12.00
